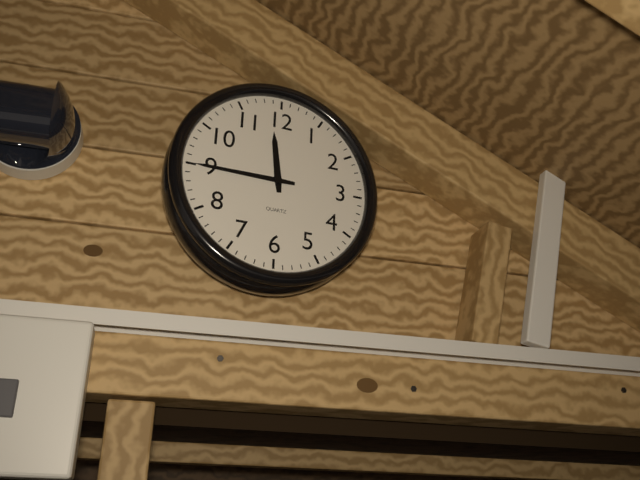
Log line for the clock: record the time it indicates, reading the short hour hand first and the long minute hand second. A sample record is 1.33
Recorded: 11.45
